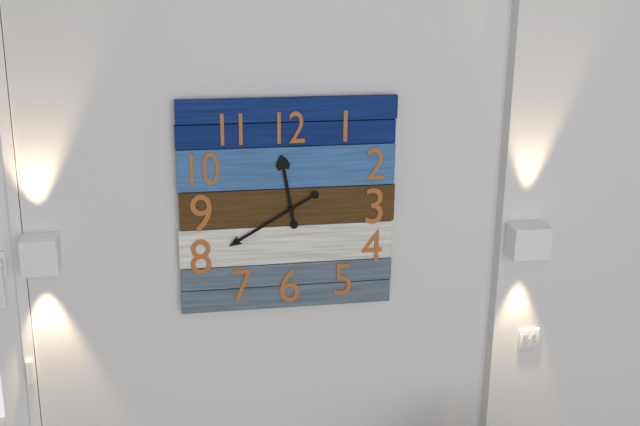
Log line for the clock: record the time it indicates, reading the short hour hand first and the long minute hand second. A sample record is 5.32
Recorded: 11.40
